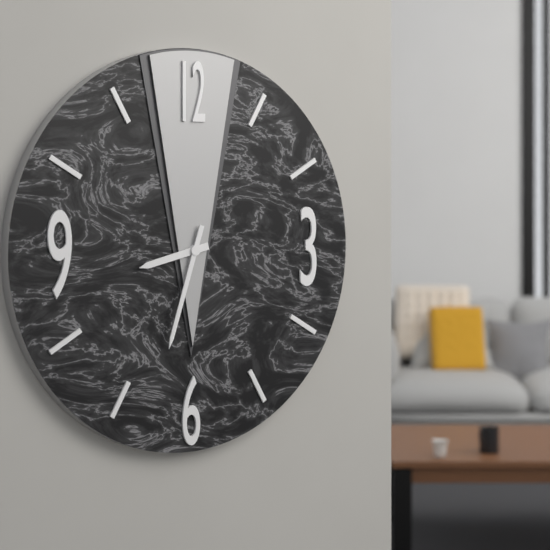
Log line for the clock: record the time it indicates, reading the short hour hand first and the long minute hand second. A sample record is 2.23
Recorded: 8.33
